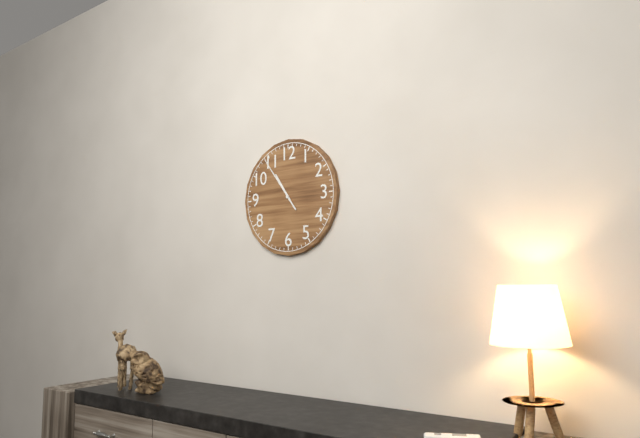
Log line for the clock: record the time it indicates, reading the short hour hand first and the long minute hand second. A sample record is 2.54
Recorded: 10.54
